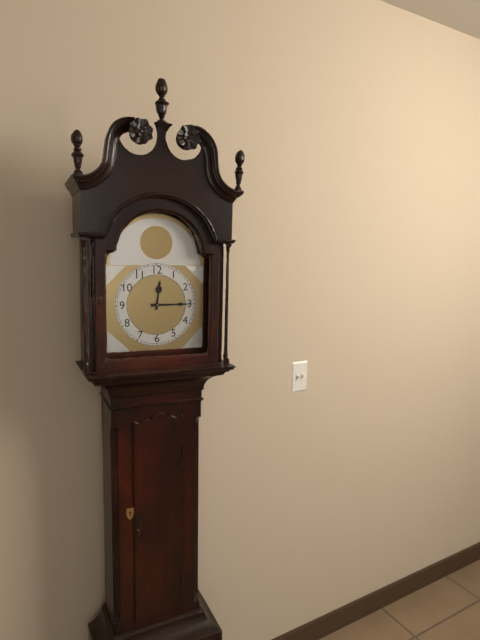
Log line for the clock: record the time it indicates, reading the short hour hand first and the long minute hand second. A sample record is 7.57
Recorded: 12.15
